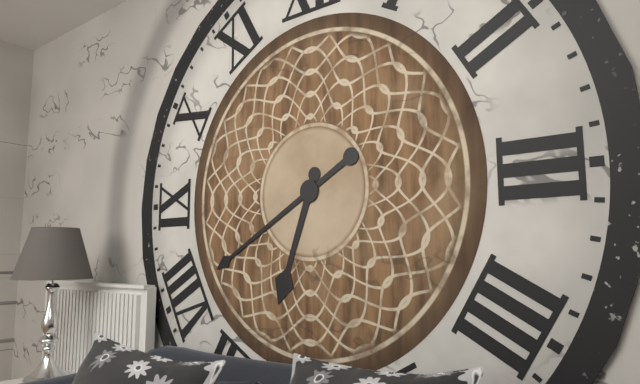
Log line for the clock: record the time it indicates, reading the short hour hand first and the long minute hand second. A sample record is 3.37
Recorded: 6.40
